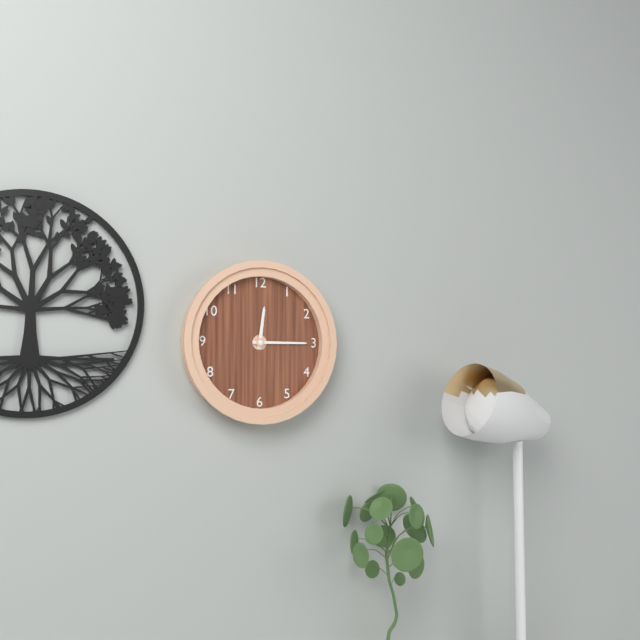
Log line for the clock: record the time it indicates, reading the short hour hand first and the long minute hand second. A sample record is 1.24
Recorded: 12.15
